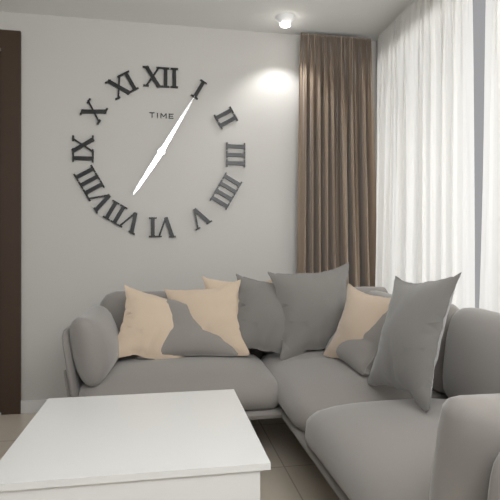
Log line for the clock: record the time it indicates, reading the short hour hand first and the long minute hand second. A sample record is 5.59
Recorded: 7.05
